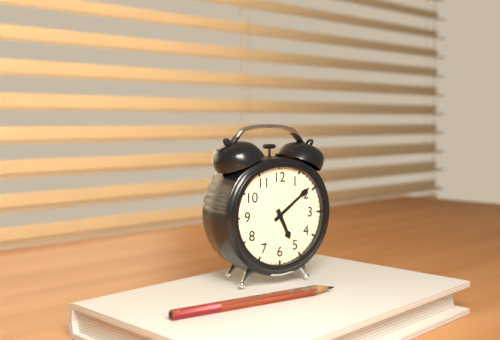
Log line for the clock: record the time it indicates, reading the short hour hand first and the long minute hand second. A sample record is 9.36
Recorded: 5.09
